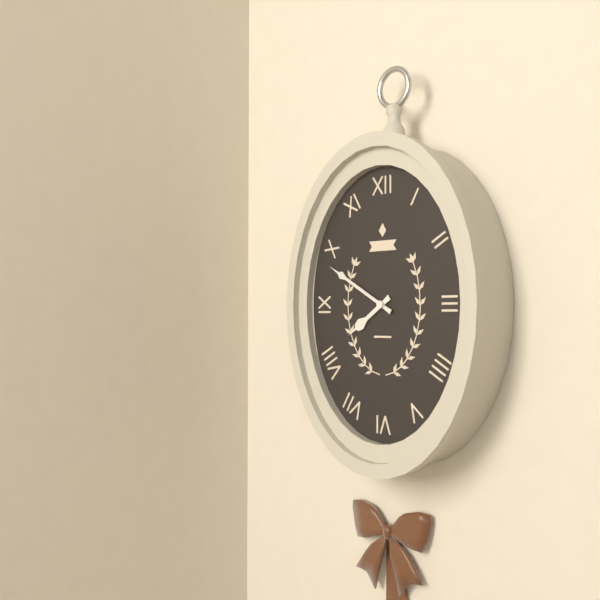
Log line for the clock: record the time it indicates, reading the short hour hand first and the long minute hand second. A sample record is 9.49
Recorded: 7.50
